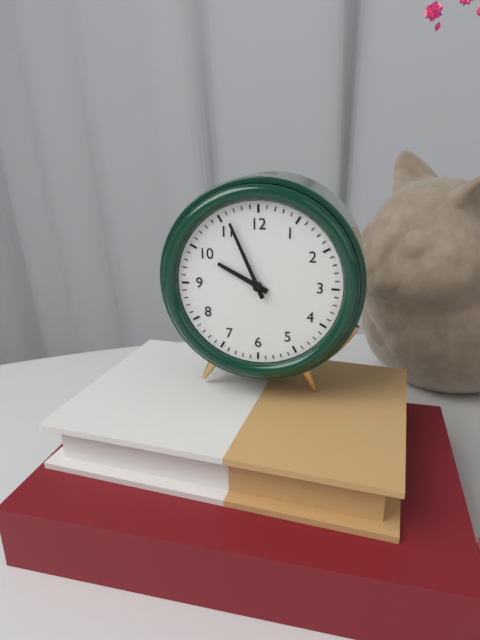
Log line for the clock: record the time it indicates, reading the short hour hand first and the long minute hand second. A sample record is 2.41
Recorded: 9.56
